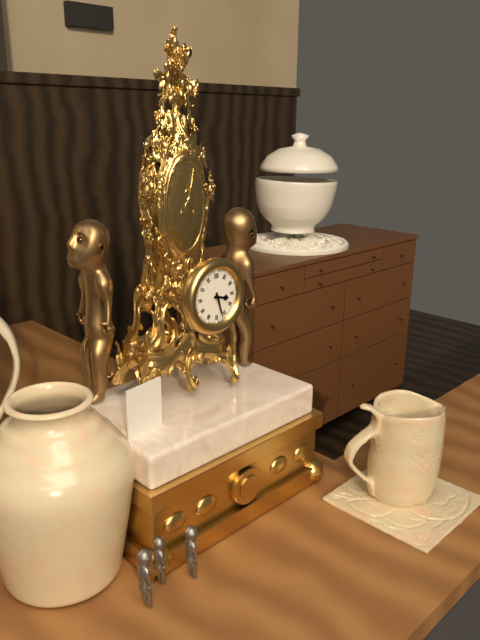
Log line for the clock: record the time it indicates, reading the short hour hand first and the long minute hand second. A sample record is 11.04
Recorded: 3.27
